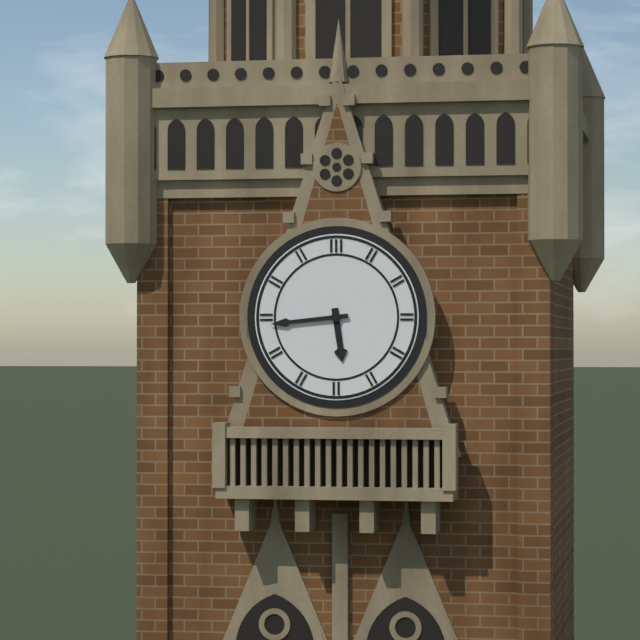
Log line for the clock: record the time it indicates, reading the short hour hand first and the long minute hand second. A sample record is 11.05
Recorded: 5.44
